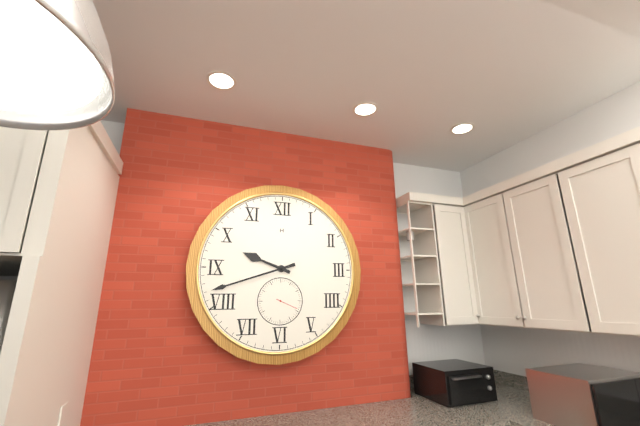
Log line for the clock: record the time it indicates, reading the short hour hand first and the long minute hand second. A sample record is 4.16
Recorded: 9.42
